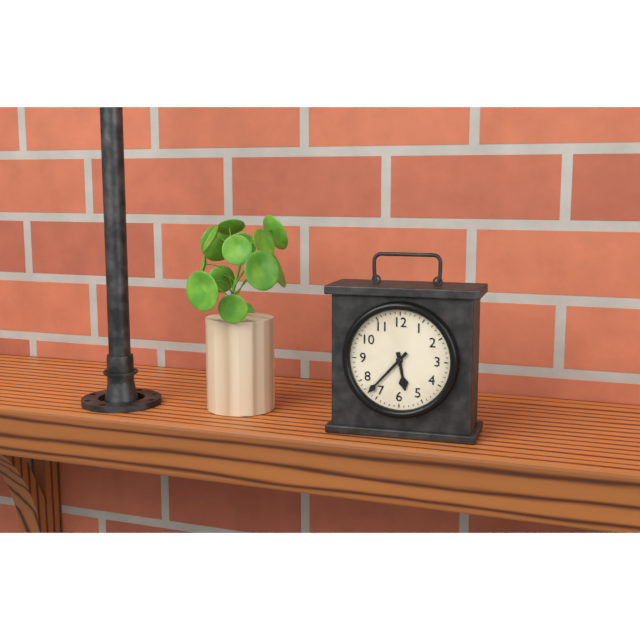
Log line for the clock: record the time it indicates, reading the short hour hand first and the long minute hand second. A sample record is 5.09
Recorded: 5.37
